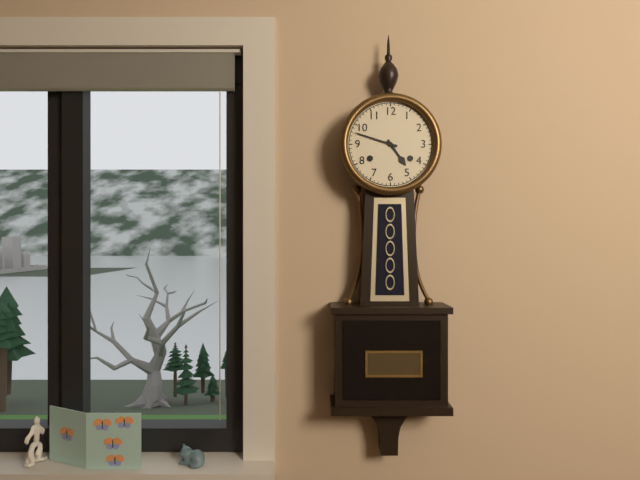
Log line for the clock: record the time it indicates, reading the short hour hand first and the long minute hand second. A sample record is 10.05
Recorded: 4.48
